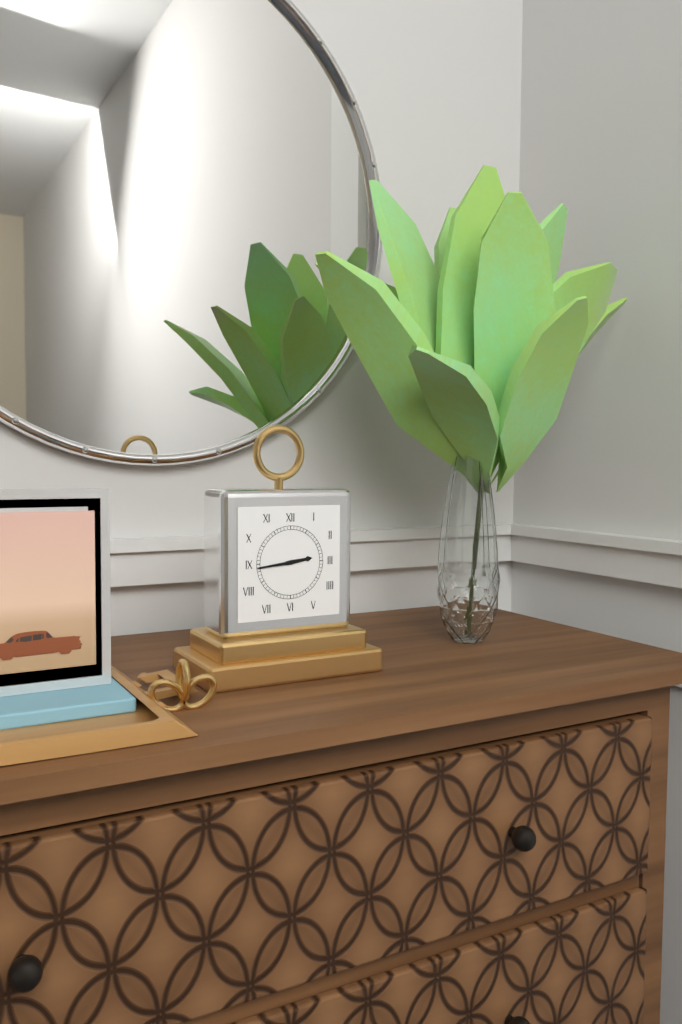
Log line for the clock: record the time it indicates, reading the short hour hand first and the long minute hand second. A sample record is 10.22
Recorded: 2.44
